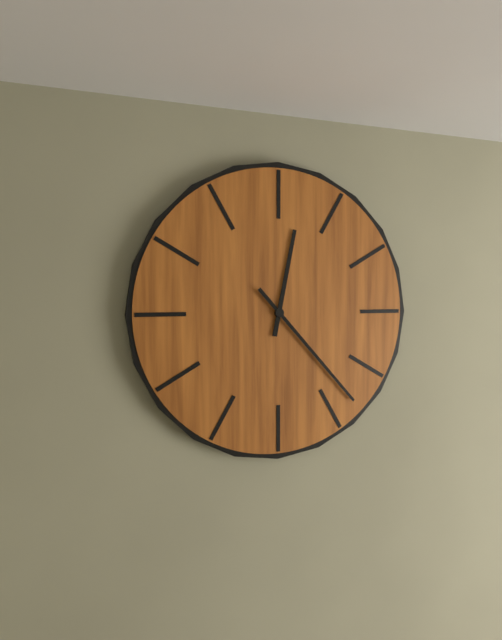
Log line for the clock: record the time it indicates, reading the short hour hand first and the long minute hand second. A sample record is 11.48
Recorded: 12.23
